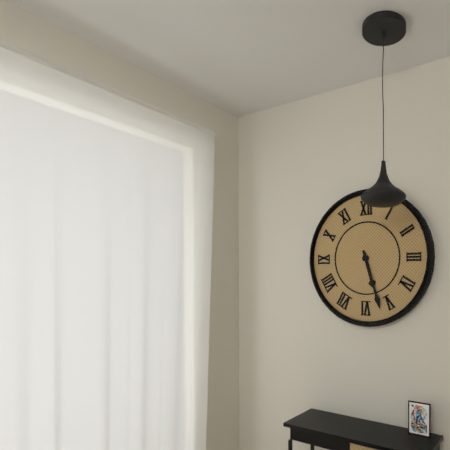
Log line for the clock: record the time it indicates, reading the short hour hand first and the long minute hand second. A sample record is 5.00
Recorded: 5.27
